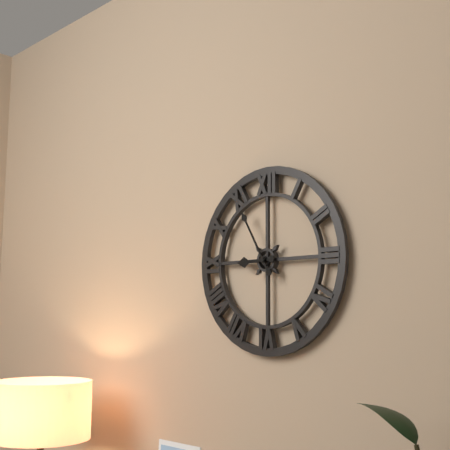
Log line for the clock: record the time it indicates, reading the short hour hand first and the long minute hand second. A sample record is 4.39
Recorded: 8.55
